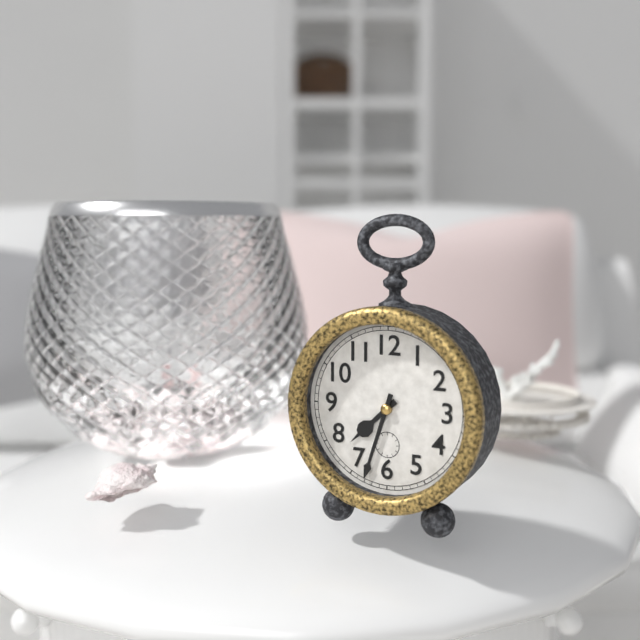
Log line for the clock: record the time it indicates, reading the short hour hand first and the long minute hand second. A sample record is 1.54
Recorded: 7.33
